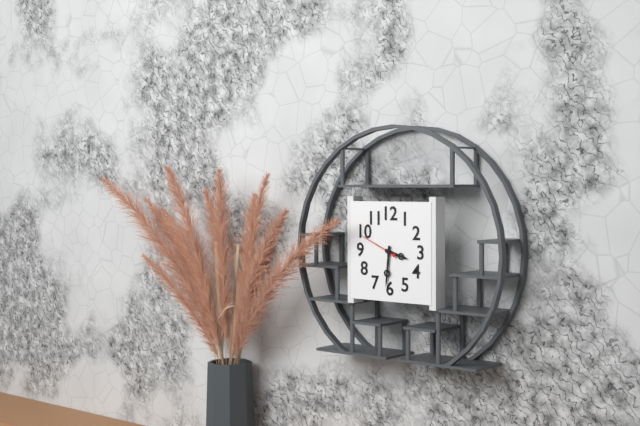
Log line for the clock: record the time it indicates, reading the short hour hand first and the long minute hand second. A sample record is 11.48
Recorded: 3.31
